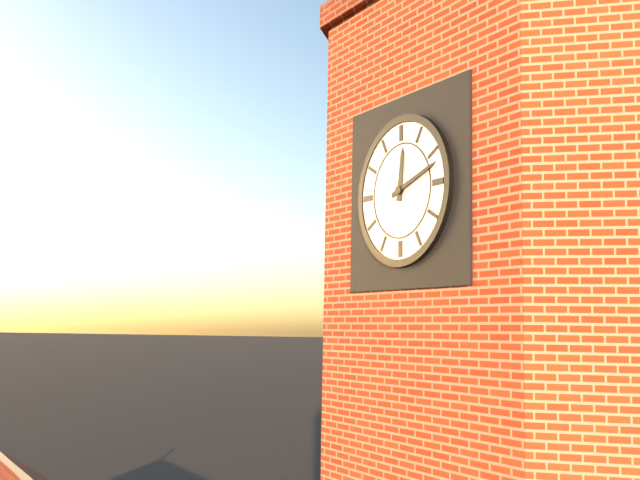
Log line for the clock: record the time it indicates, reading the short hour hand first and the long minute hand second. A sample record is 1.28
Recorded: 12.12
